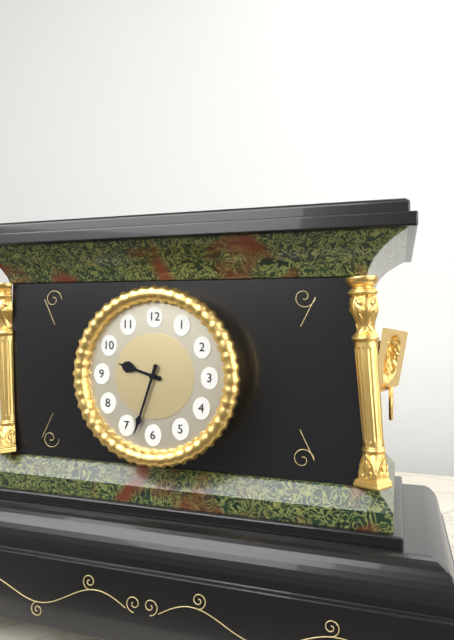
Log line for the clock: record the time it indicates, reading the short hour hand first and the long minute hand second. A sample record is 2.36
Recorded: 9.33
